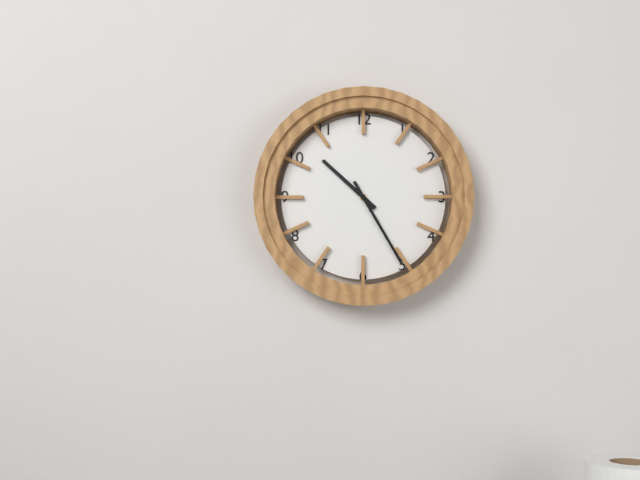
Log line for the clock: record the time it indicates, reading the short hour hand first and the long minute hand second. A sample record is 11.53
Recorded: 10.25
